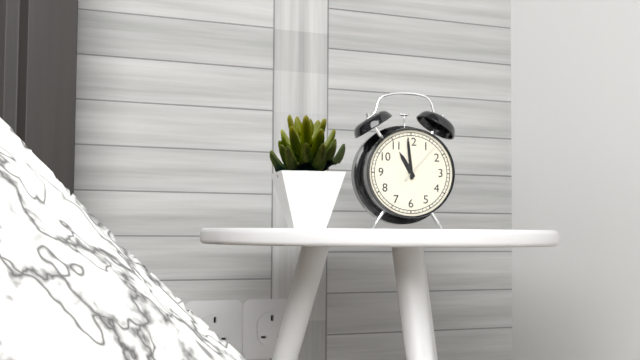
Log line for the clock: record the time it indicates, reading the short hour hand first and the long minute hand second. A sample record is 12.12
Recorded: 10.59
